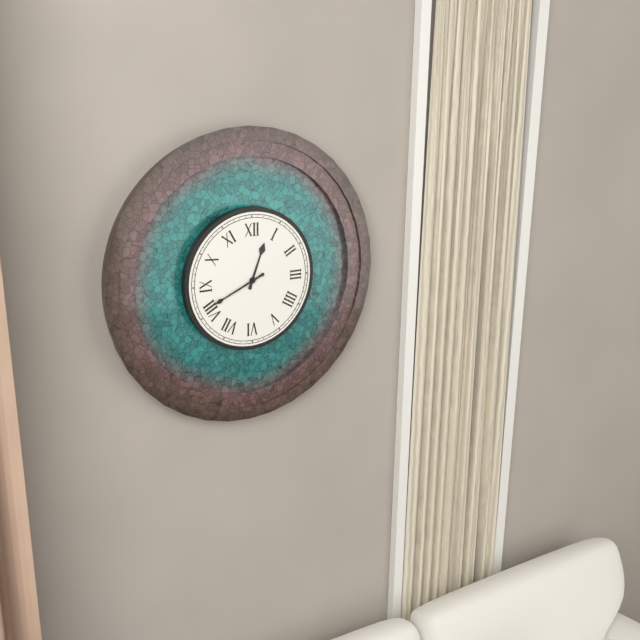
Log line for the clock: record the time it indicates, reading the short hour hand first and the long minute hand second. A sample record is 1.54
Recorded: 12.41
